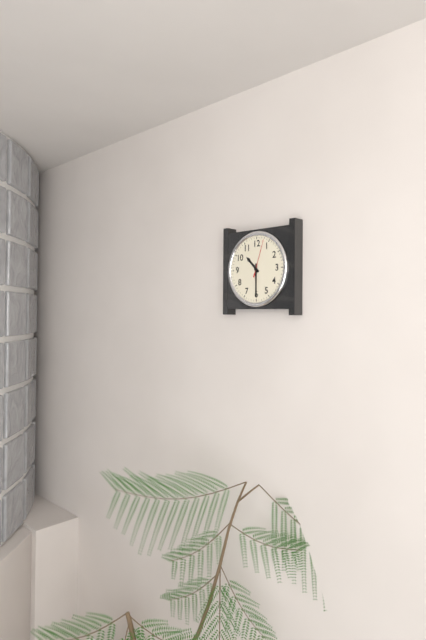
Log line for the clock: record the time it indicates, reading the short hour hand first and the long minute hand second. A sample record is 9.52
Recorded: 10.30
